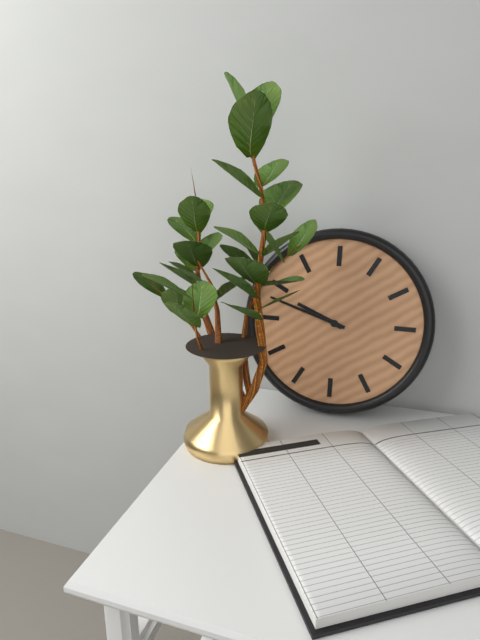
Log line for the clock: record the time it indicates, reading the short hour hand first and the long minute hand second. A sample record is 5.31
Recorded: 9.48
